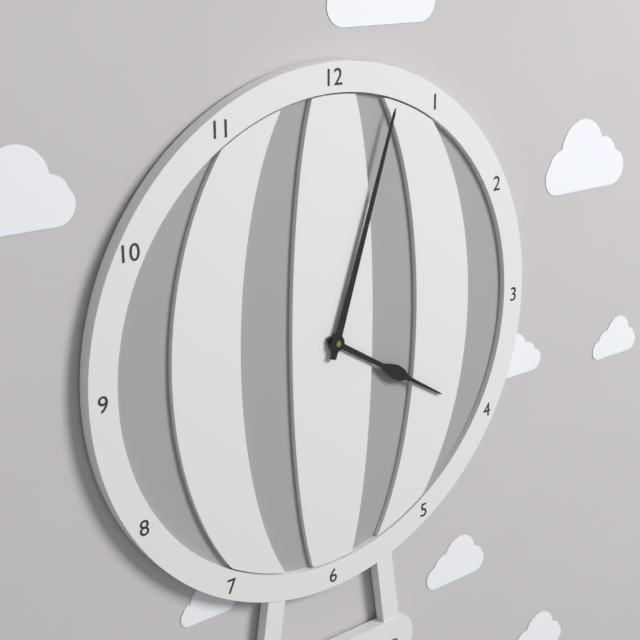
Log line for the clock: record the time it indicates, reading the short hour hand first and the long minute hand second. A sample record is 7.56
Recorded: 4.03
